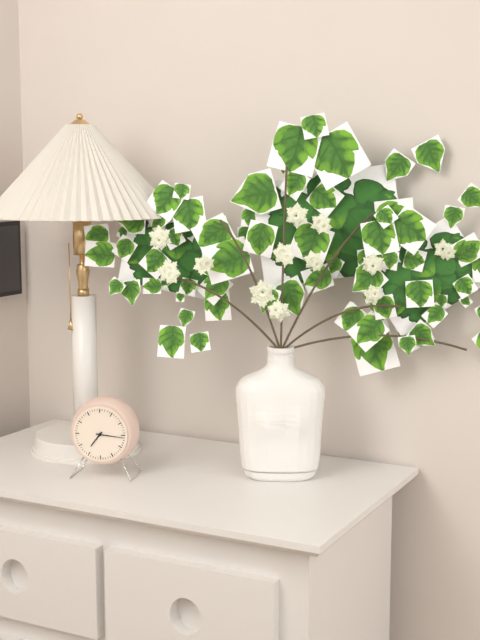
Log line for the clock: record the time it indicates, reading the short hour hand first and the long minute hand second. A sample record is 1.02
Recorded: 7.16
